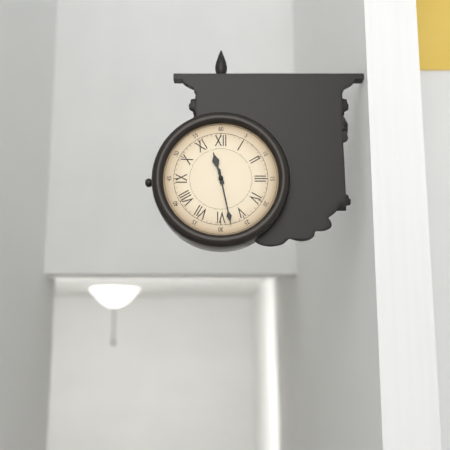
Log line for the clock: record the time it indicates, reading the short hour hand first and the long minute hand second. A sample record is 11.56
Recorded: 11.28
